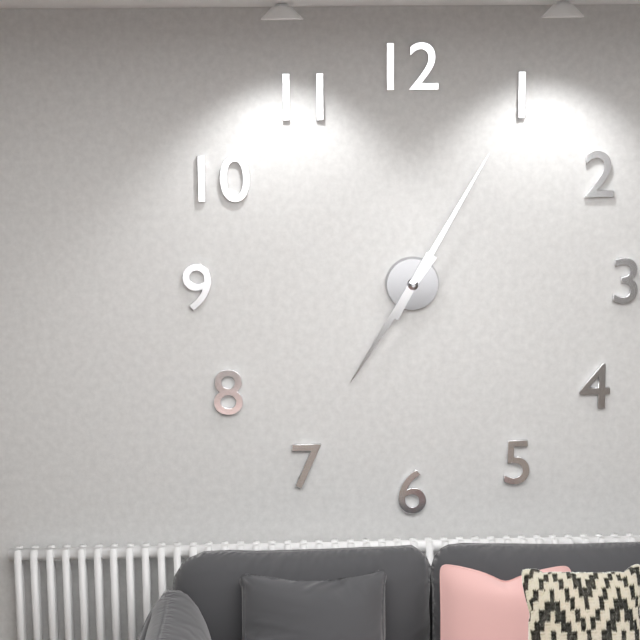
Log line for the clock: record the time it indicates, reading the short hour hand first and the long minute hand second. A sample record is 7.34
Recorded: 7.05
